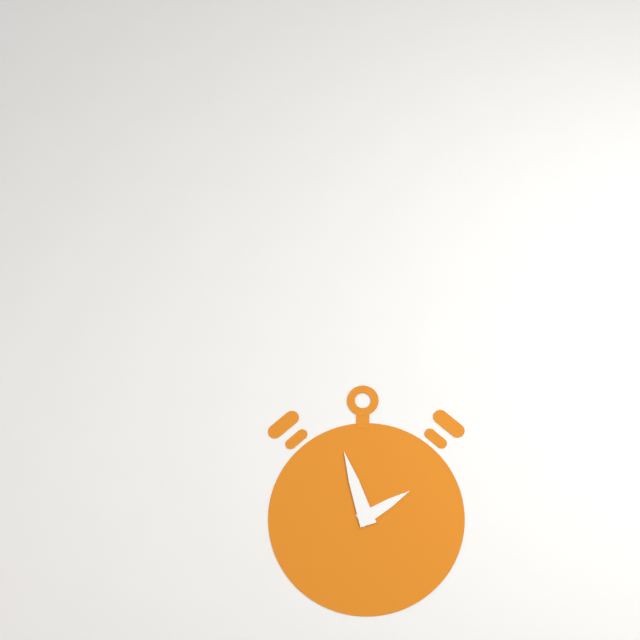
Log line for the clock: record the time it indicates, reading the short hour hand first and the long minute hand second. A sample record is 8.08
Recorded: 1.57
